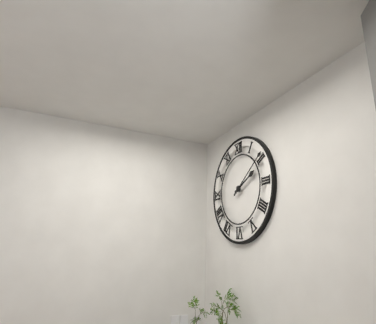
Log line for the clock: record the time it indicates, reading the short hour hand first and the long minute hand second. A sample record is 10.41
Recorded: 2.09
